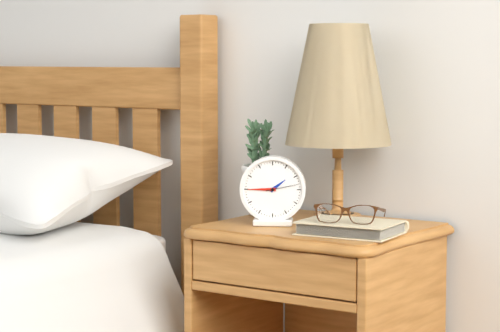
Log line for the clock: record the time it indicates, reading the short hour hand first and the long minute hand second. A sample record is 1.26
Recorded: 1.45
